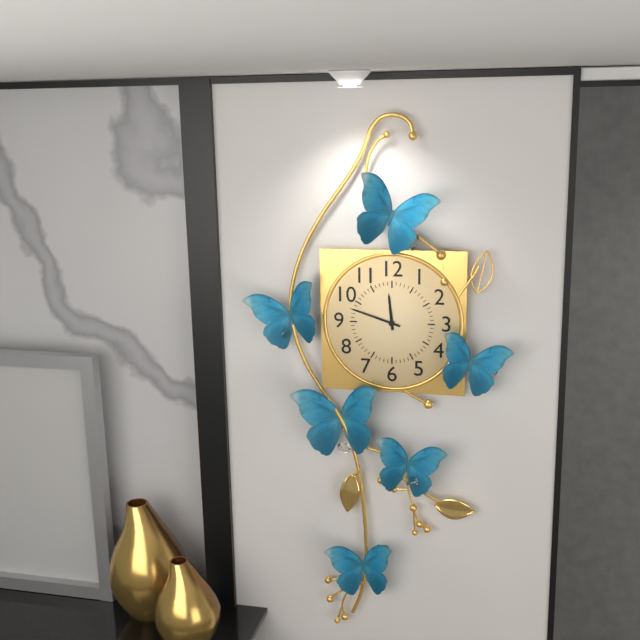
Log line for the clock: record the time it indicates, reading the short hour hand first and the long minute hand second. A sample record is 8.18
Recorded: 11.48
